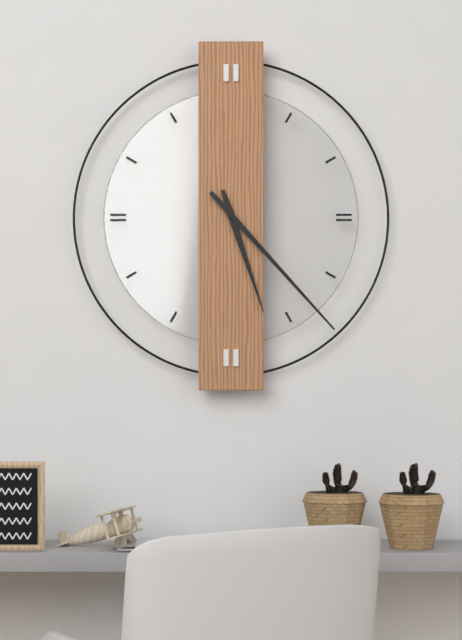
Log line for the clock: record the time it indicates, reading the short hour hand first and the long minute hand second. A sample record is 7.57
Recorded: 5.23
